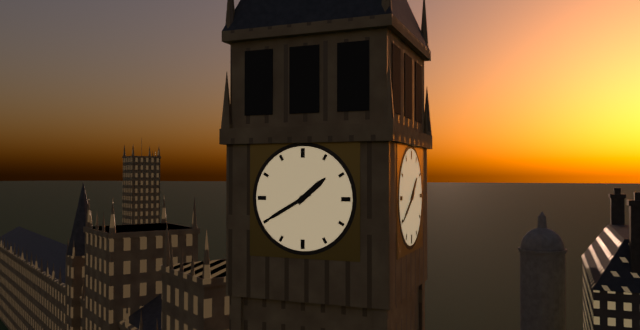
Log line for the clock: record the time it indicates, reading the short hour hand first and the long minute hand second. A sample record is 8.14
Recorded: 1.40
